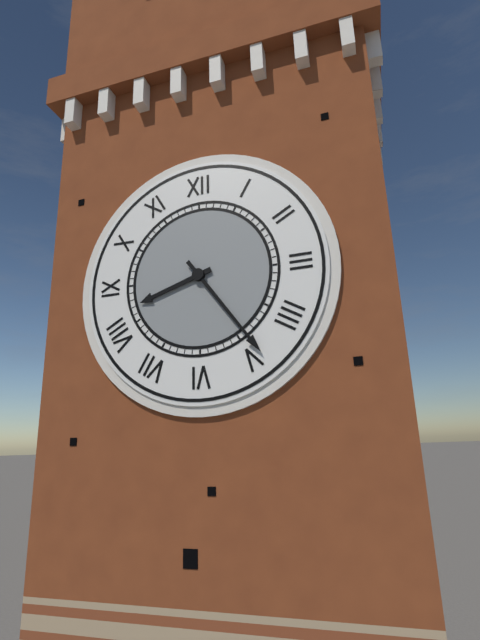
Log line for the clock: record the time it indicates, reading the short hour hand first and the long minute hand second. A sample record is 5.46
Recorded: 8.24
